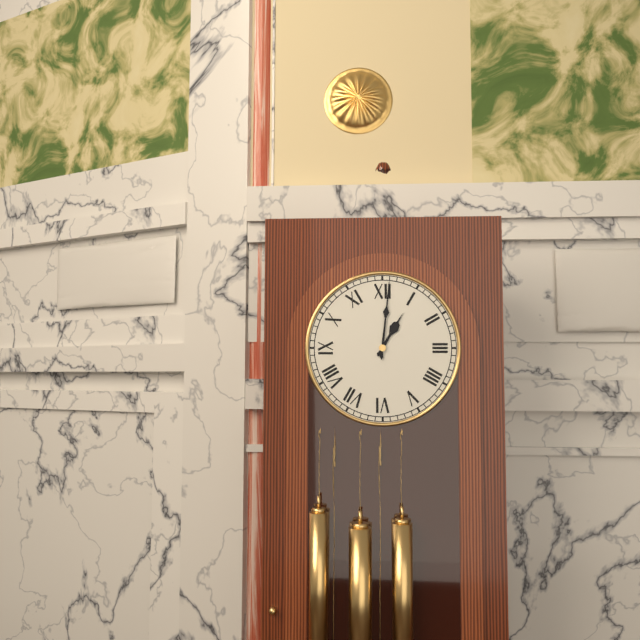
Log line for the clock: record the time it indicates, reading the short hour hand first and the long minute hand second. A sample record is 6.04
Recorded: 1.01
